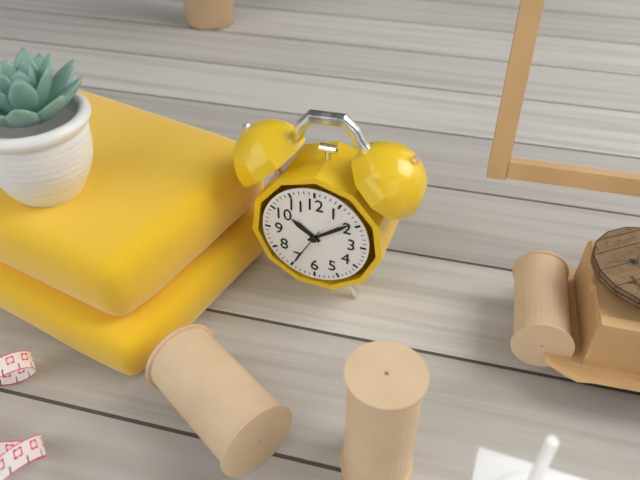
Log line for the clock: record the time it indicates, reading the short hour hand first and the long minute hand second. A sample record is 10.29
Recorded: 10.09
